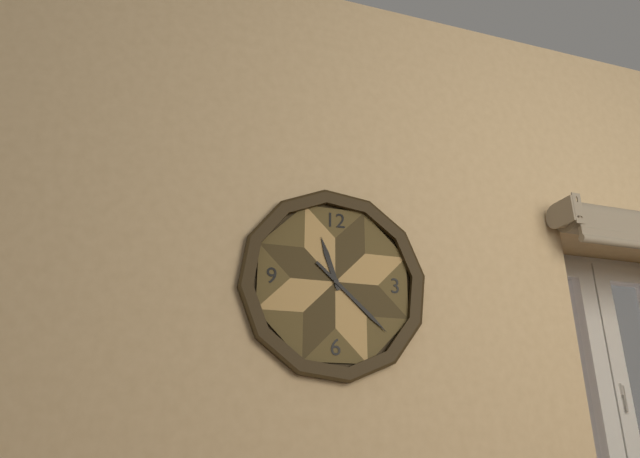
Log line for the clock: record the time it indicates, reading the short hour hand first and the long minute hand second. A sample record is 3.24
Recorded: 11.22
